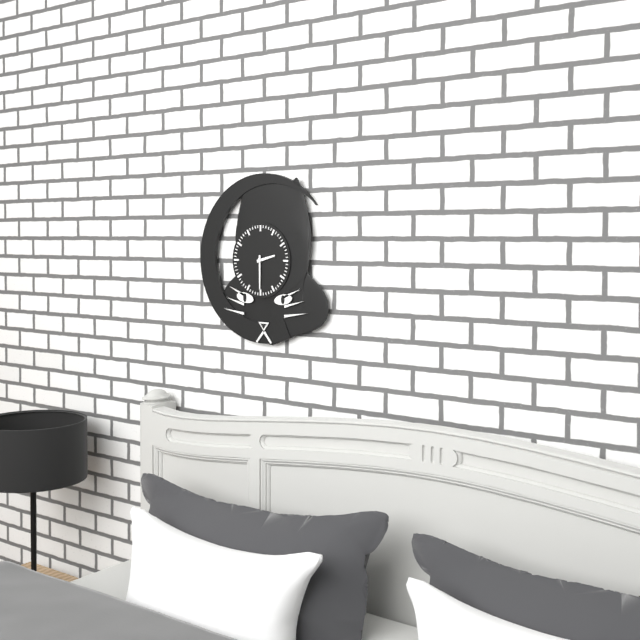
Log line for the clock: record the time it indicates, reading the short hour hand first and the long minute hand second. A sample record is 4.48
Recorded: 2.30
